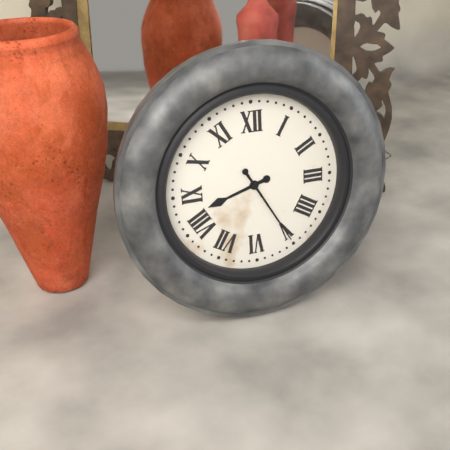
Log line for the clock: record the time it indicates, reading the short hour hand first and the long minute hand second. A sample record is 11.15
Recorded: 8.25
